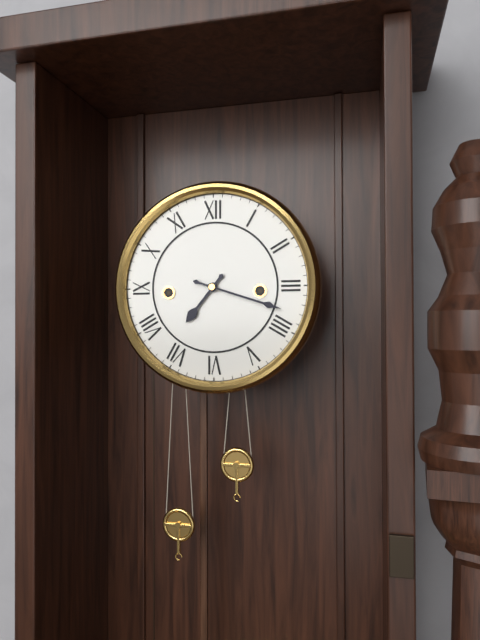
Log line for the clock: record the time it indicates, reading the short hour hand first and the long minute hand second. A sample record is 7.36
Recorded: 7.18
